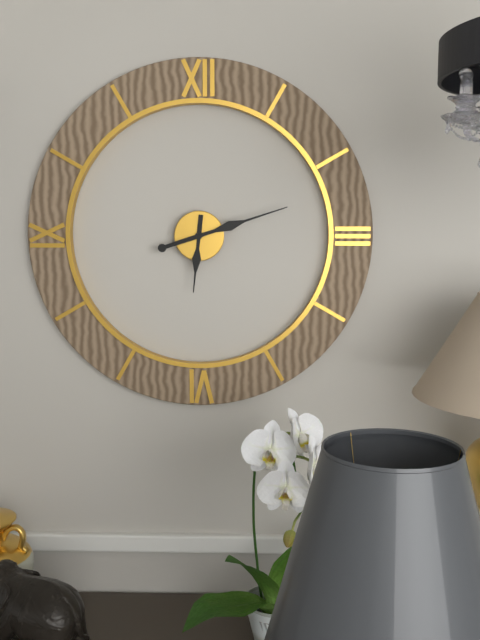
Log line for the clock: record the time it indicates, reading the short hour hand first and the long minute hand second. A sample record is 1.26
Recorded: 6.12
